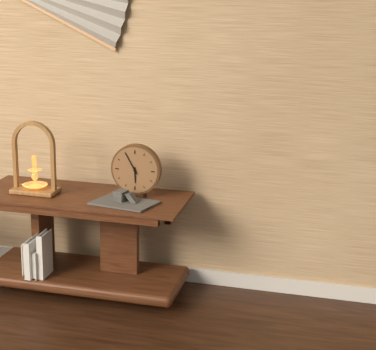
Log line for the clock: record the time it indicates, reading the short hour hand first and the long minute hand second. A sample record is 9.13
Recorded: 5.55
